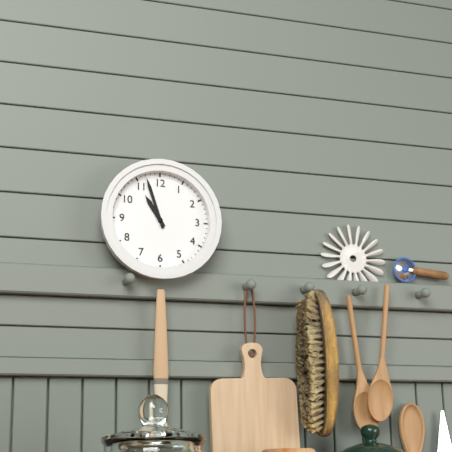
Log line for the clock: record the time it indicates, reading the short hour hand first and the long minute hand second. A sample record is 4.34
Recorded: 10.57
